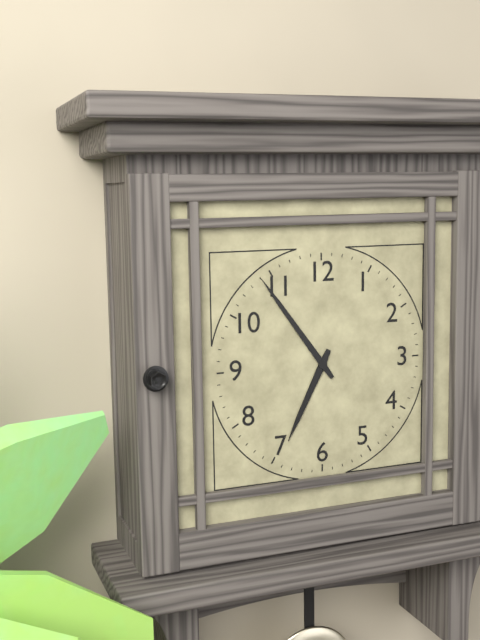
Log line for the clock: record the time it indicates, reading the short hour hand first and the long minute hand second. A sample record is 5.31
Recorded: 6.54
